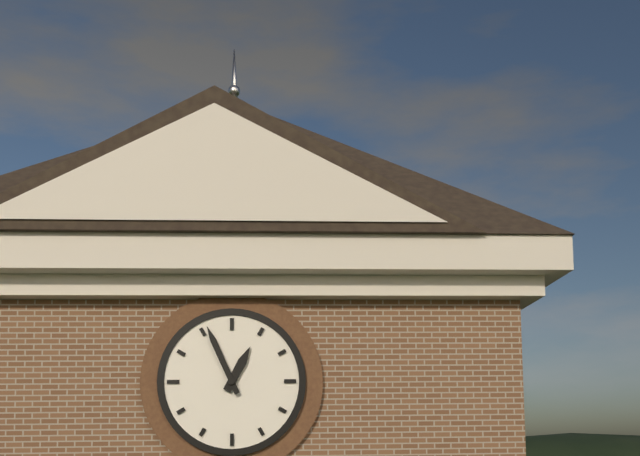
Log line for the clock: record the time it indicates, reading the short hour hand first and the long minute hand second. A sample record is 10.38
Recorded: 12.56
